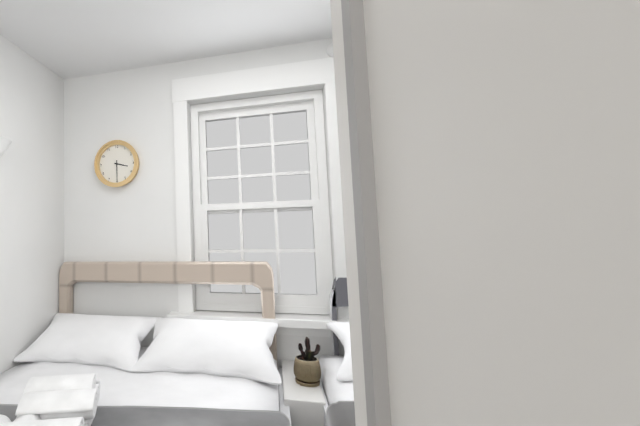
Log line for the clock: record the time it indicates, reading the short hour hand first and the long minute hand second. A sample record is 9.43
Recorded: 3.30
